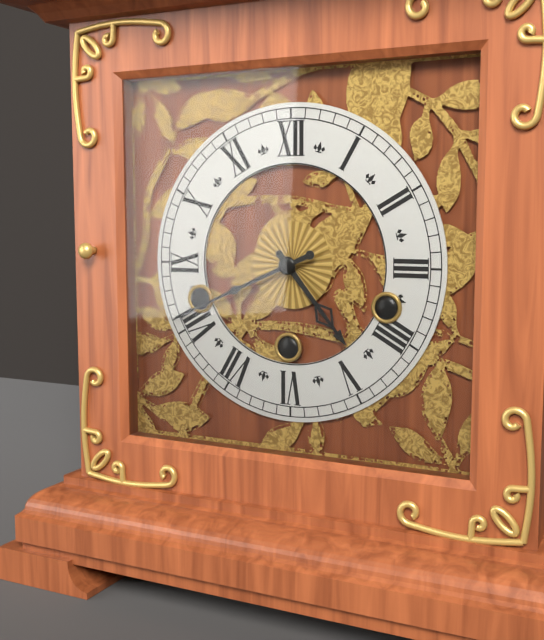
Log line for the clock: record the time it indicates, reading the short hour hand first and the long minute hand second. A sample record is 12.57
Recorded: 4.41
